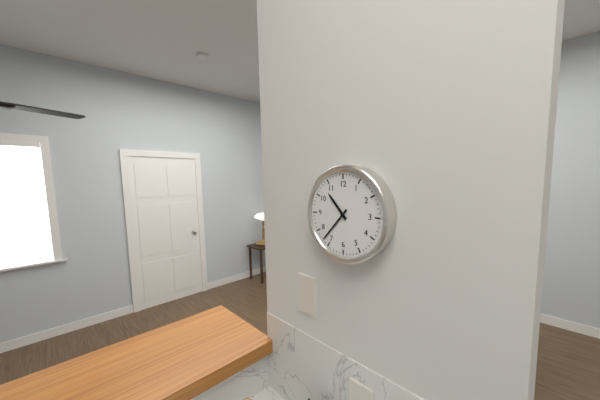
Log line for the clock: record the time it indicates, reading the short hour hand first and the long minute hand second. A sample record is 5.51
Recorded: 10.37
